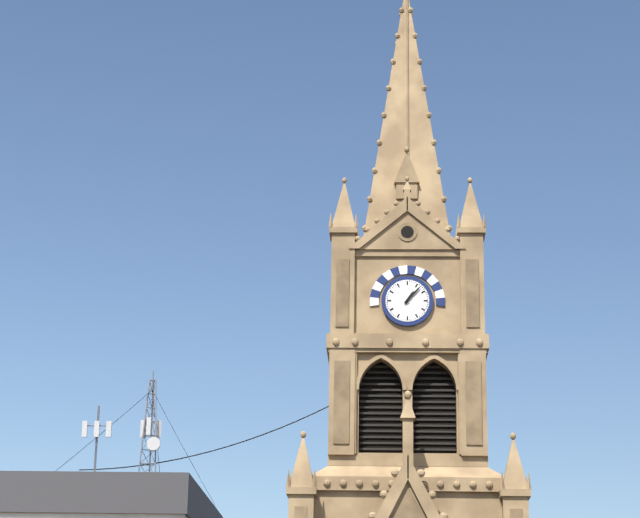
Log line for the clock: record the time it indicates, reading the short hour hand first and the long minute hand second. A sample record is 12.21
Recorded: 1.07
